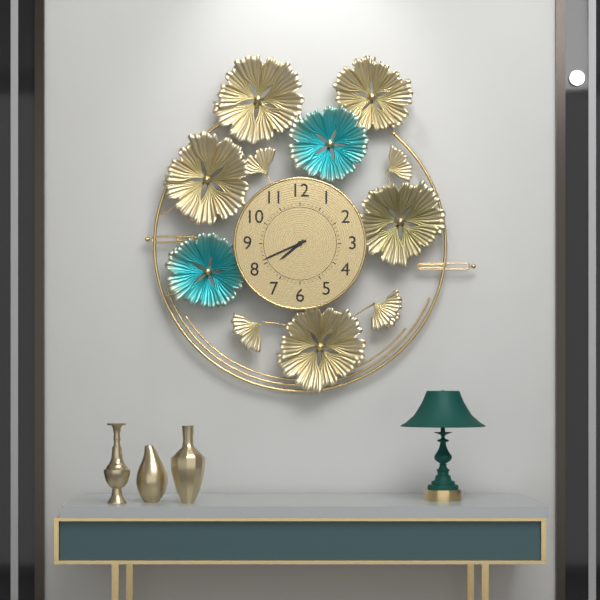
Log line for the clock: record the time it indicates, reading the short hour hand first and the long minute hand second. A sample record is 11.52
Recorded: 7.41
